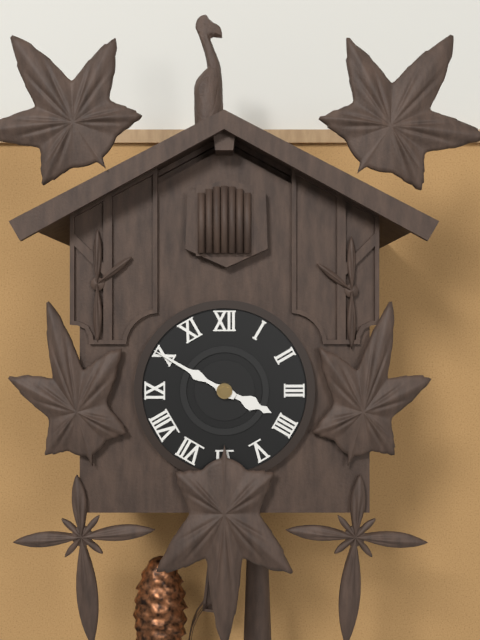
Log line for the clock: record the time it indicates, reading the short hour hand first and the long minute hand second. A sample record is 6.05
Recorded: 3.50
